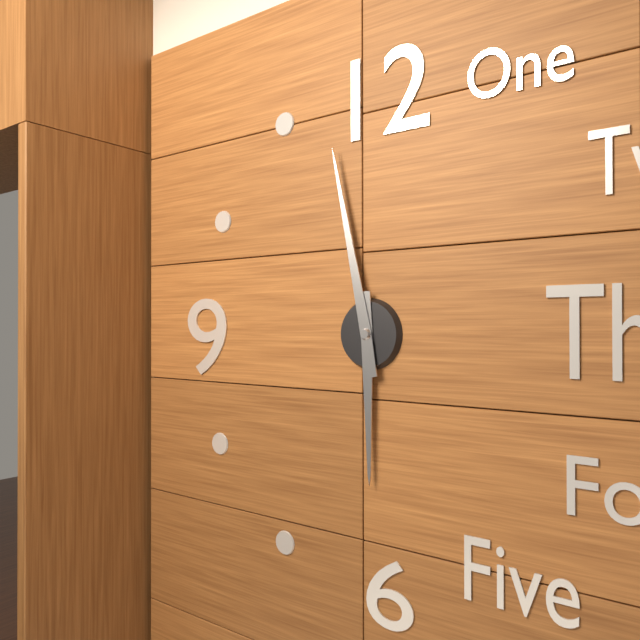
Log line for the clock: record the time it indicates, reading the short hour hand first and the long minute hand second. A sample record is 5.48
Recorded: 5.58
